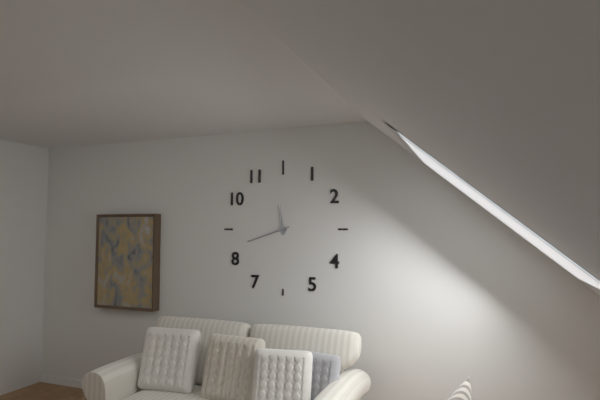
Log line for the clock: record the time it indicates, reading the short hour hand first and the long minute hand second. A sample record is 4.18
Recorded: 11.42
